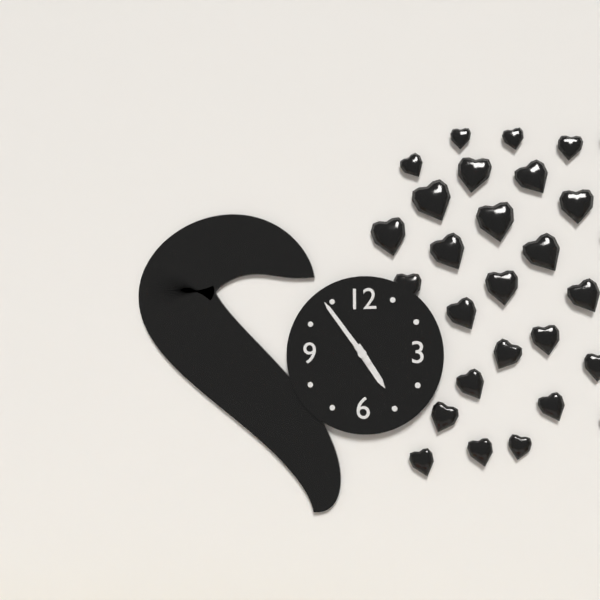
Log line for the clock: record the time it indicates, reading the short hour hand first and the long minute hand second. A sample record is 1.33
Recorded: 4.54
